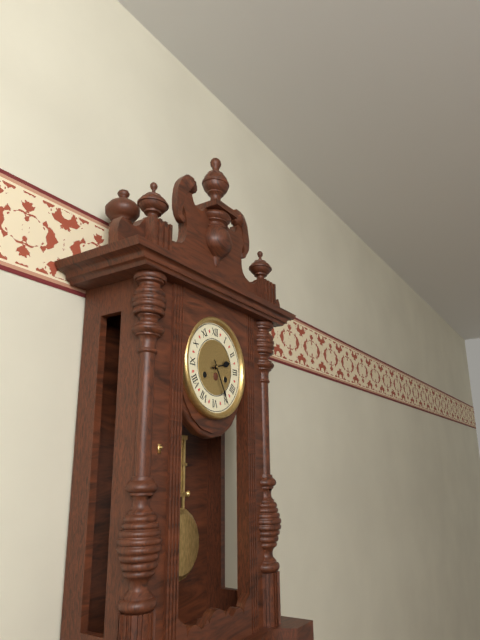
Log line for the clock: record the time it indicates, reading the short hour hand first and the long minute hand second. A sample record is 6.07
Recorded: 2.25
